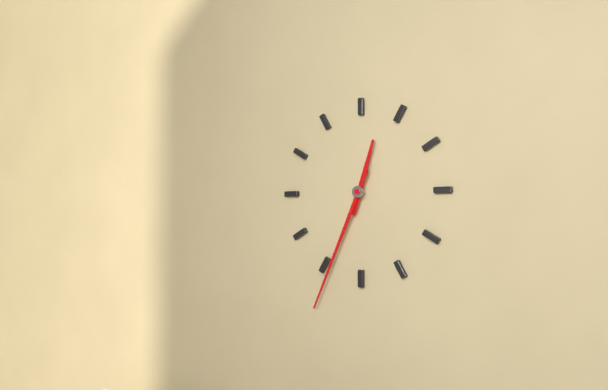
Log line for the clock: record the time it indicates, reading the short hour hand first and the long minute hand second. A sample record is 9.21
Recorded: 12.34
